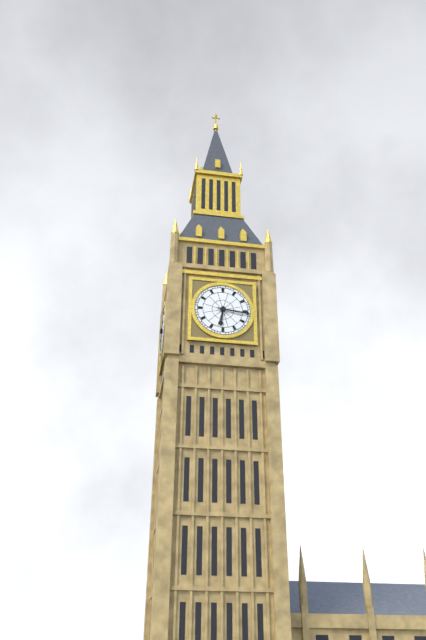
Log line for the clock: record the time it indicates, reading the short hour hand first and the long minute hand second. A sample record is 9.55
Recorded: 6.16
